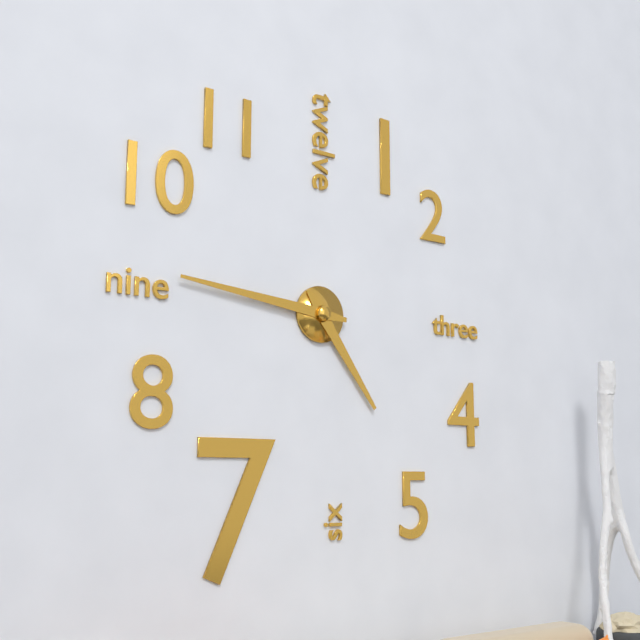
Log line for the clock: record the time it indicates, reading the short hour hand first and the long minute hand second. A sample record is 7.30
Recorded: 4.46
